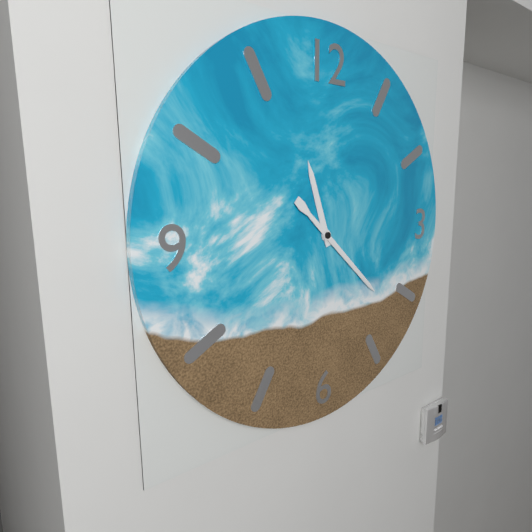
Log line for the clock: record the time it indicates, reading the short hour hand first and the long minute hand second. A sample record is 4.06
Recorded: 11.22
